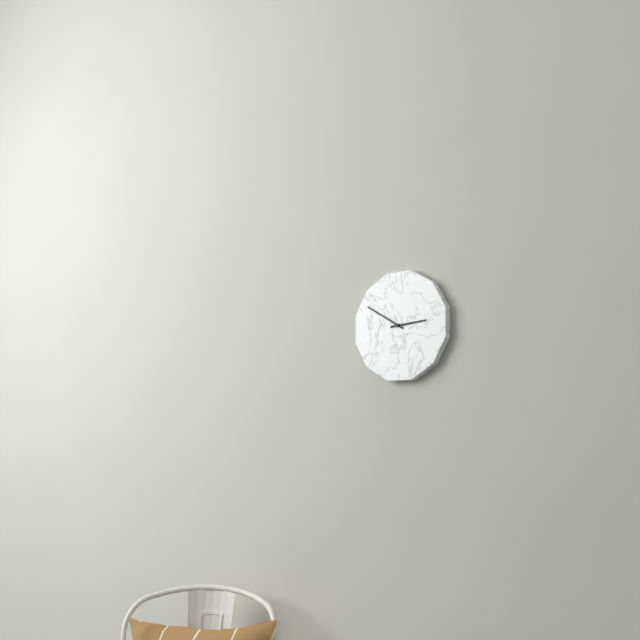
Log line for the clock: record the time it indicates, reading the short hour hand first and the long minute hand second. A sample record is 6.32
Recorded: 2.50
